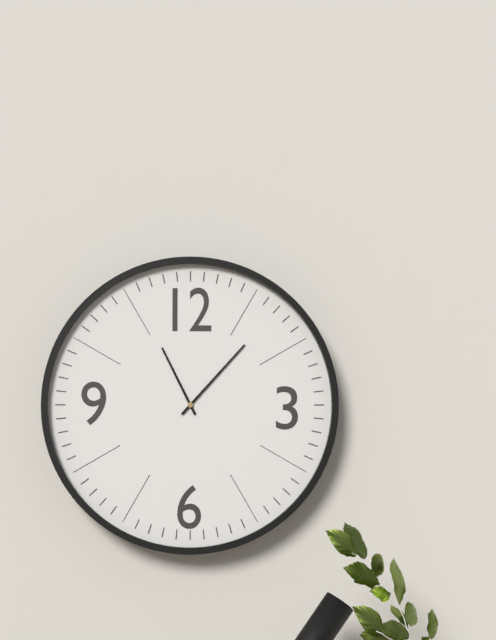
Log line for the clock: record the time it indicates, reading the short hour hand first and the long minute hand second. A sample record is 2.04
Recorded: 11.07
